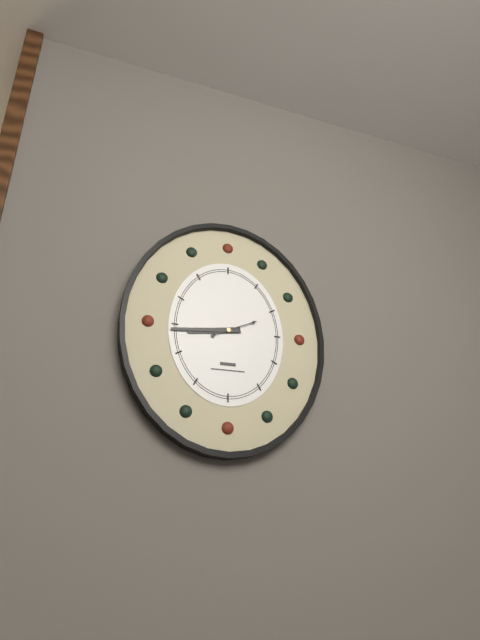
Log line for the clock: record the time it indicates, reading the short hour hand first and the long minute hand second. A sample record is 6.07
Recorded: 8.44
